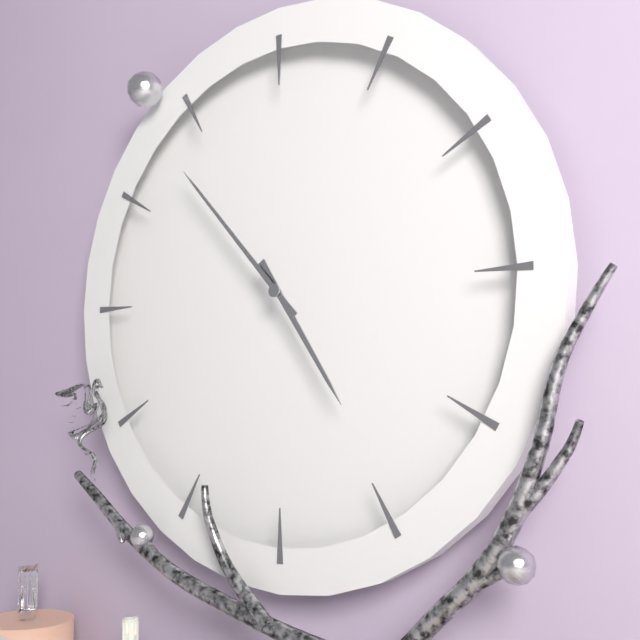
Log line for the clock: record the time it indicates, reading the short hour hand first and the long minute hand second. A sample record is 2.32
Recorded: 4.53
